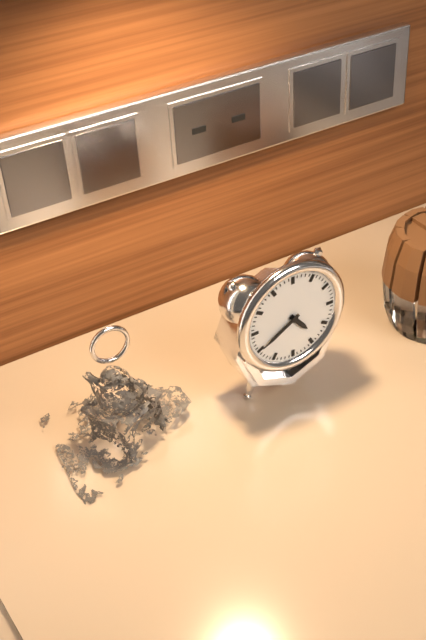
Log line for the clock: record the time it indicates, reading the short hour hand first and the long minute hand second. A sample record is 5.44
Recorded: 4.40
